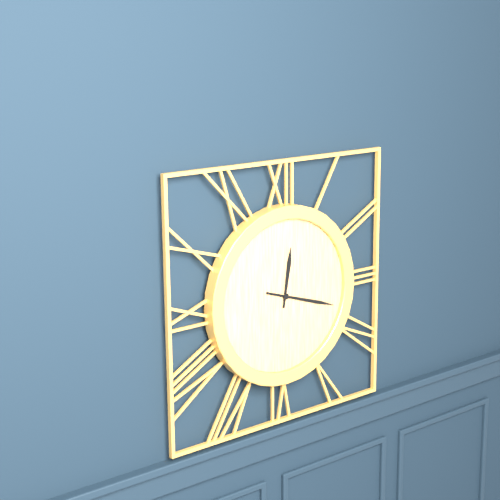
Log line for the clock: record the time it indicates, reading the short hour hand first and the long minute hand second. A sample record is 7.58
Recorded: 12.18
